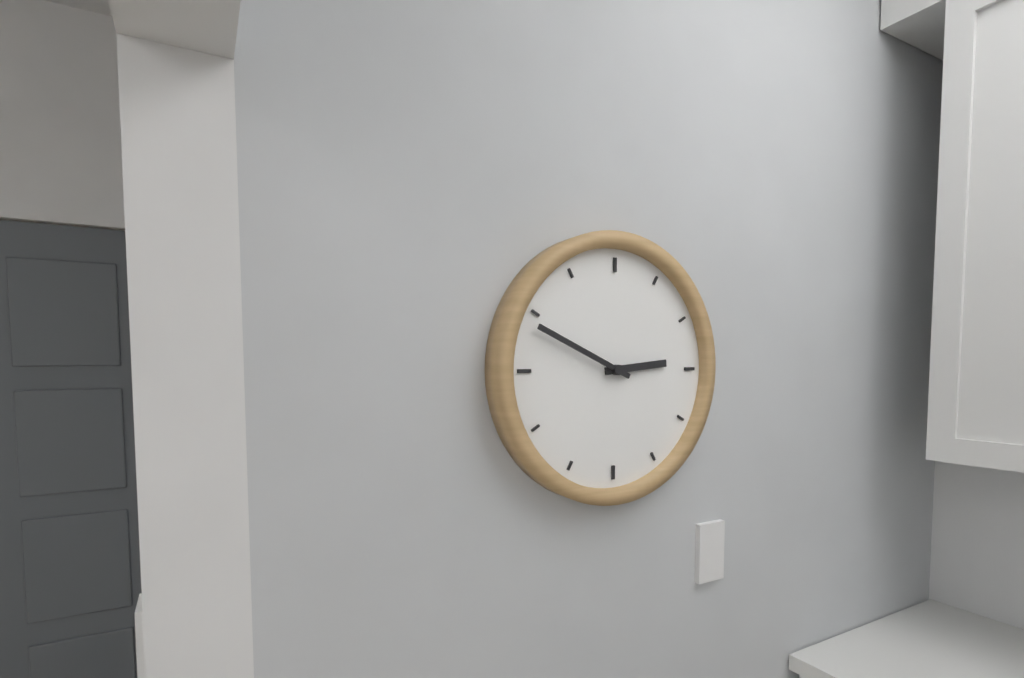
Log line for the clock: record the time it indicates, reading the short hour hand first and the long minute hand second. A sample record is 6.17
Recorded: 2.49
